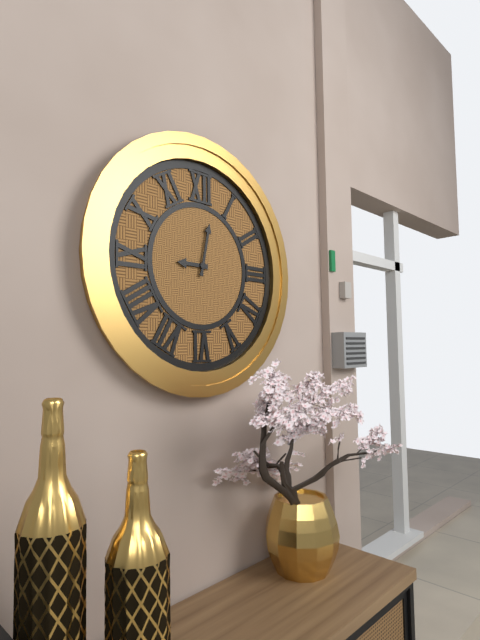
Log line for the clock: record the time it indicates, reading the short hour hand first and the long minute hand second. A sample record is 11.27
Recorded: 9.02
